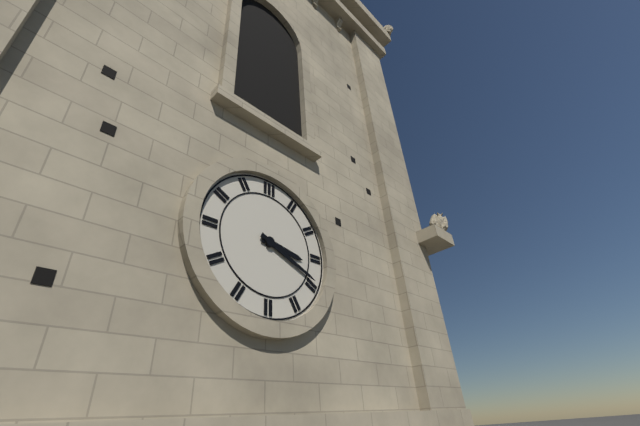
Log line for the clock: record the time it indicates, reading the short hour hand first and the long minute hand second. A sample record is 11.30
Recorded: 3.19
